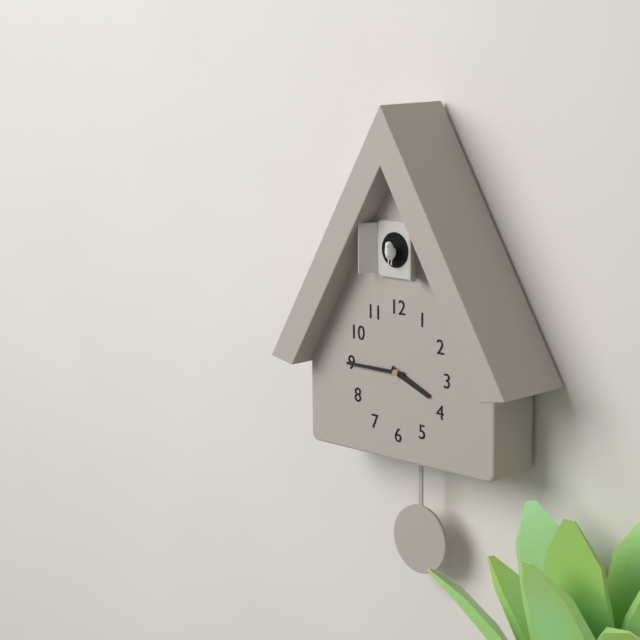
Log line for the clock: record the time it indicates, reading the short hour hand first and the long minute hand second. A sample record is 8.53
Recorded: 3.45
